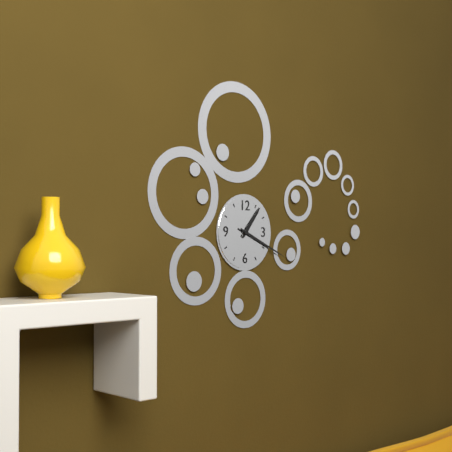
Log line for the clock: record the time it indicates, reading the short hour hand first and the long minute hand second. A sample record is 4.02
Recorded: 1.19
